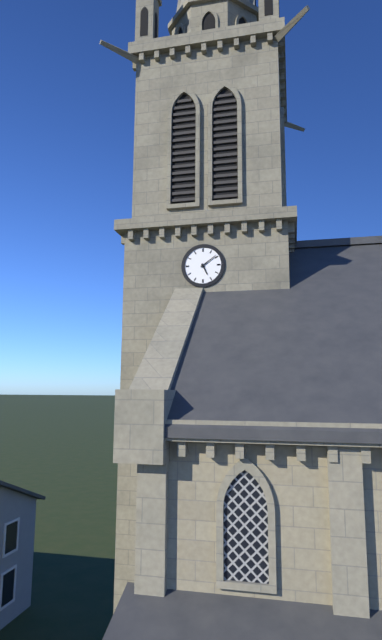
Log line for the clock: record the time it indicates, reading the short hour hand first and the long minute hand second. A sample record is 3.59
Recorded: 5.09
